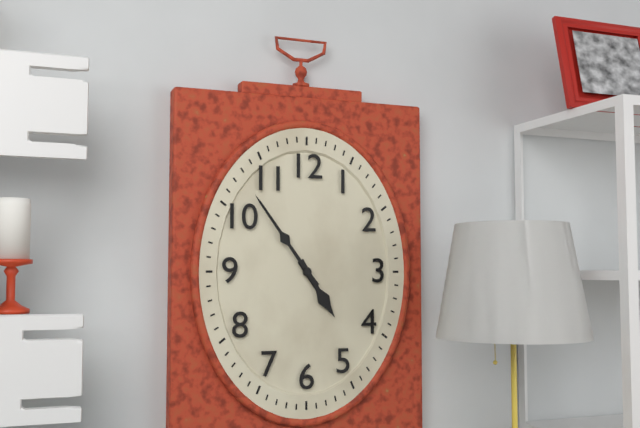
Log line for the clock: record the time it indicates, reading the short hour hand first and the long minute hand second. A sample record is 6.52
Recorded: 4.54
